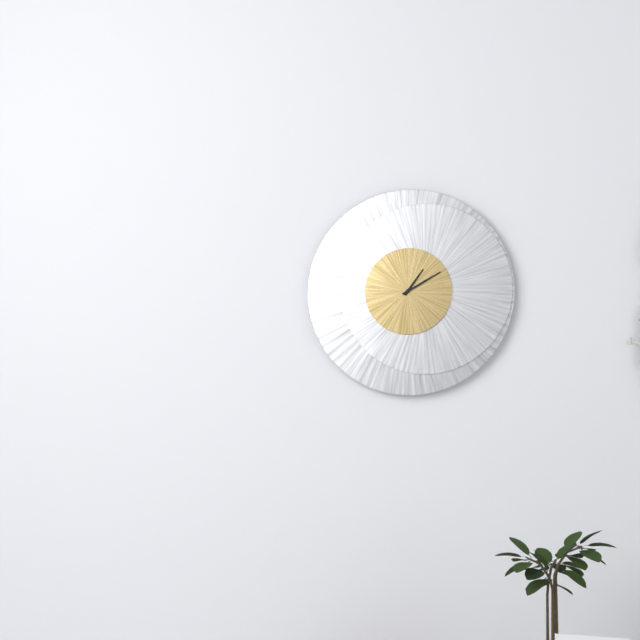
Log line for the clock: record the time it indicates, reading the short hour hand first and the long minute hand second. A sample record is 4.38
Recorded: 1.10
